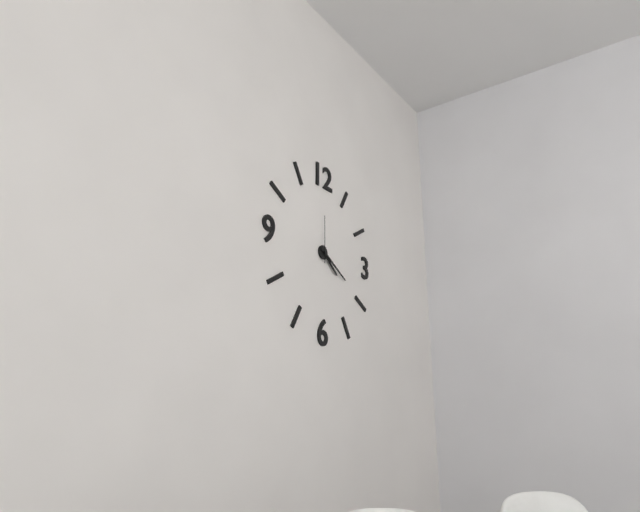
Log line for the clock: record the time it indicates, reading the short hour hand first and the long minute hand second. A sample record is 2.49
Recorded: 4.20
